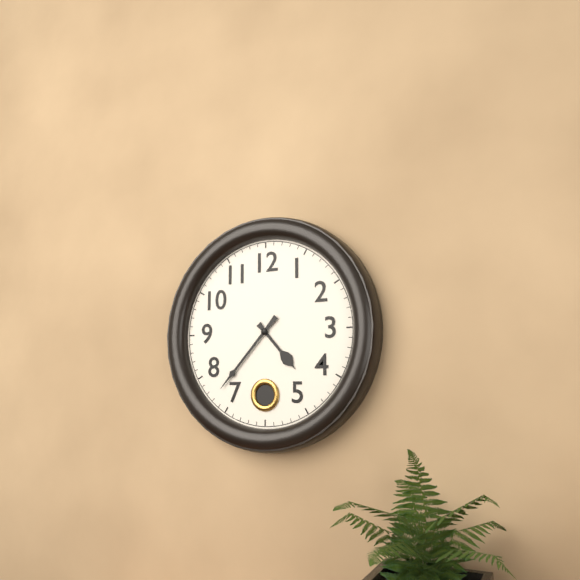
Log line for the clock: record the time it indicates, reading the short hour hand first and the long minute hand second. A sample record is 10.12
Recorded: 4.37
